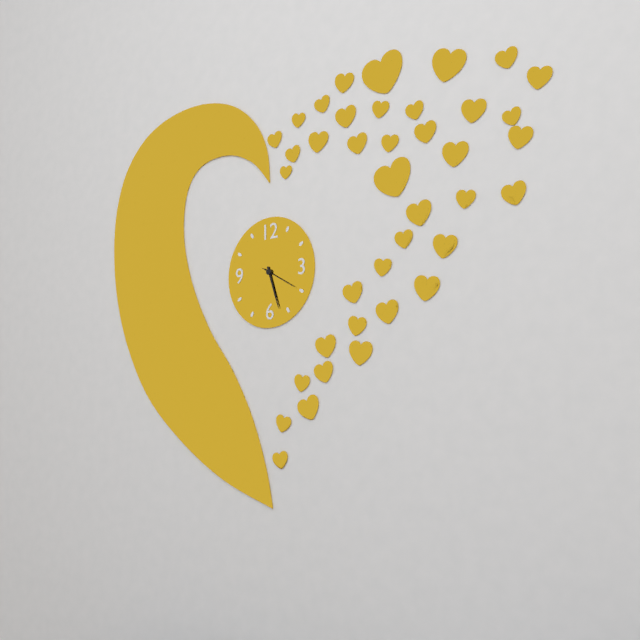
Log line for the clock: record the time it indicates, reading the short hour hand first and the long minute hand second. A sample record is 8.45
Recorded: 5.27
